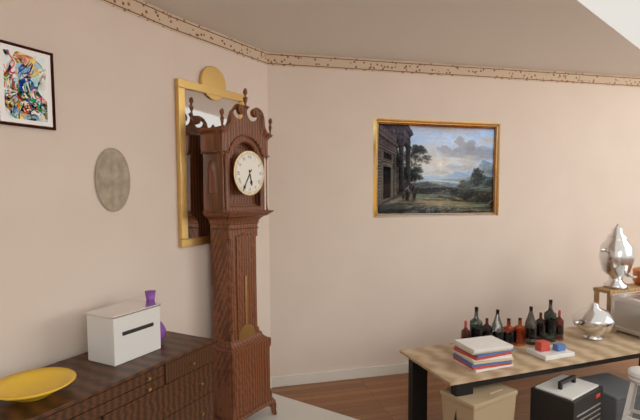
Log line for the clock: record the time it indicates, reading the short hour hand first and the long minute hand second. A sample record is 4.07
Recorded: 5.35
